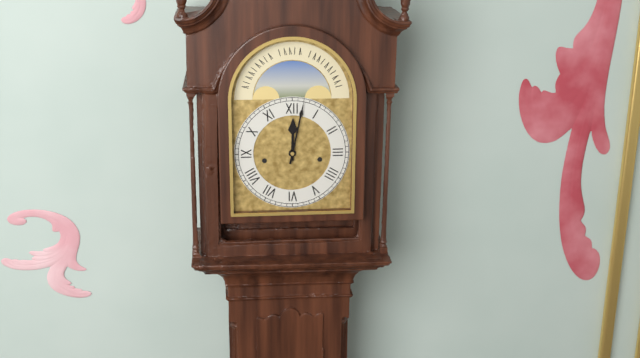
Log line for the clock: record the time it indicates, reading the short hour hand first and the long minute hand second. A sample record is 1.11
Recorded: 12.02
